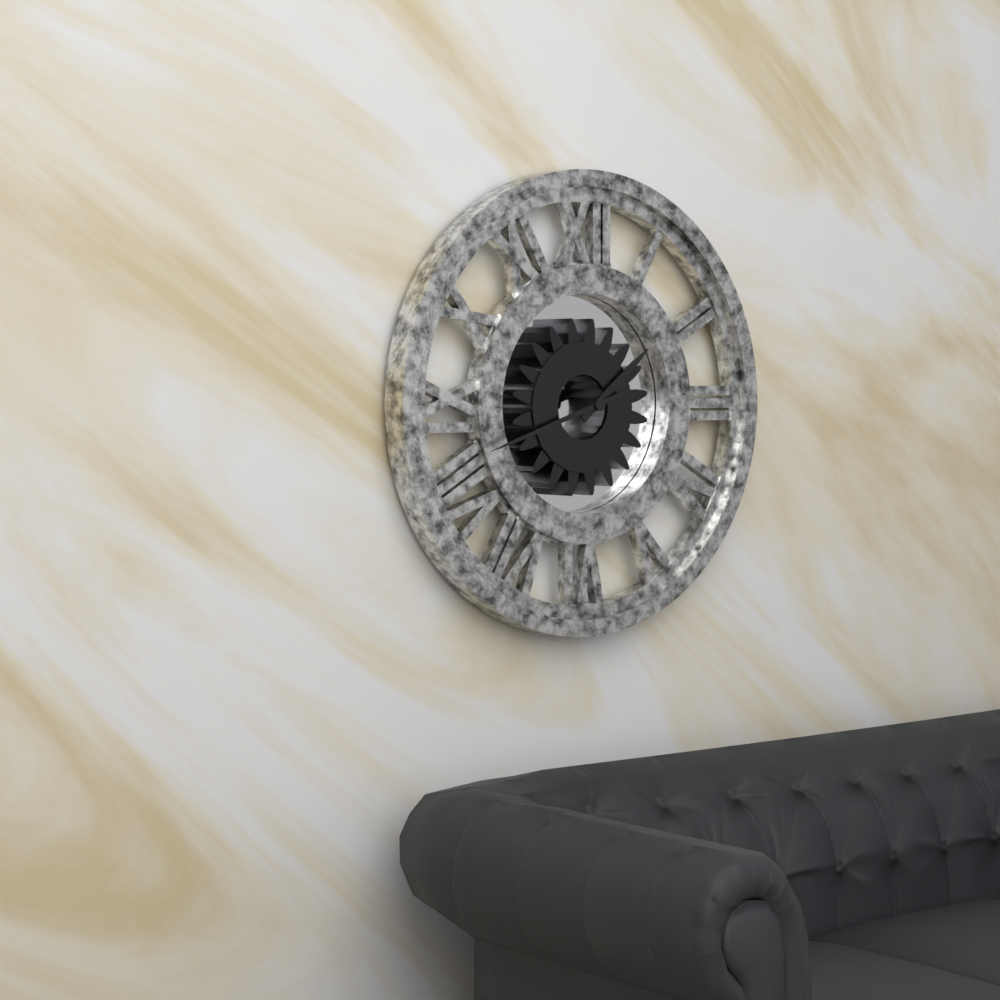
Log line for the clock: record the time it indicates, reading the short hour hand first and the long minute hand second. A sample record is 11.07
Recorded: 1.42
